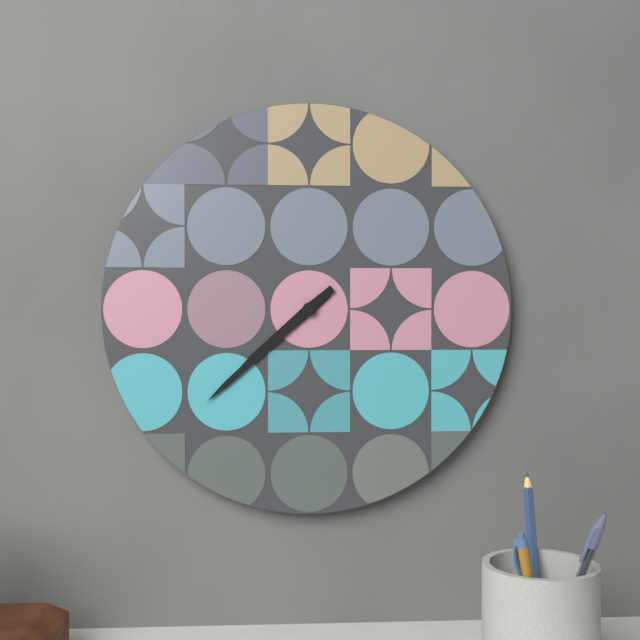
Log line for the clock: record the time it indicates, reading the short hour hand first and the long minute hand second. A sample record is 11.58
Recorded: 7.38
